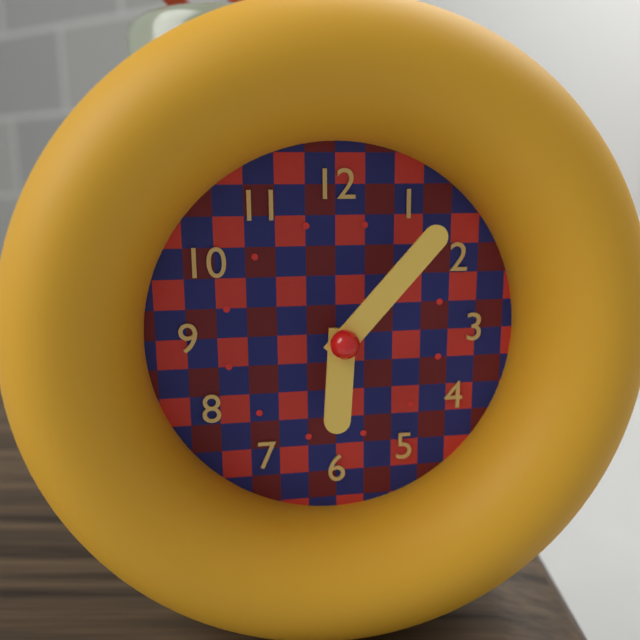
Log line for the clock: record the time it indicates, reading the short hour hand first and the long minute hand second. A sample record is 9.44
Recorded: 6.07
